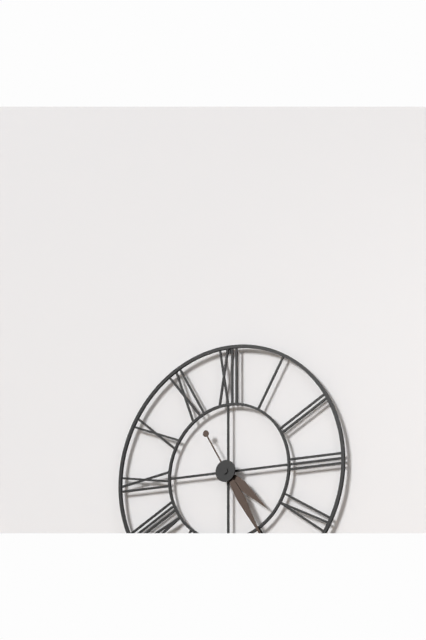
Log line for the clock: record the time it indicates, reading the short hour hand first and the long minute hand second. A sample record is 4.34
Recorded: 4.25
